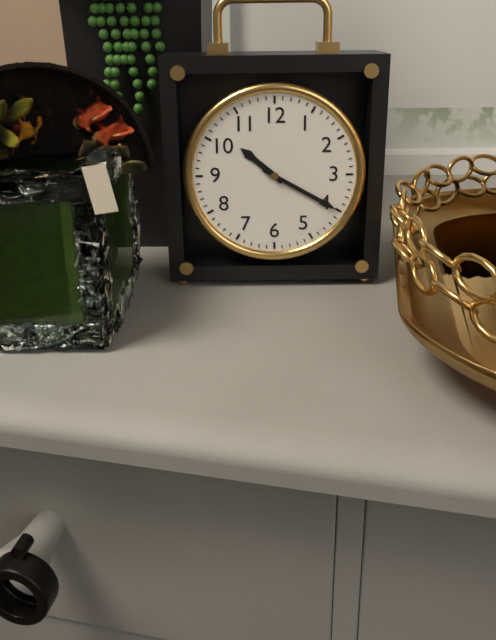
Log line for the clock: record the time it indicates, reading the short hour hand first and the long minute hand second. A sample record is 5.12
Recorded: 10.20
